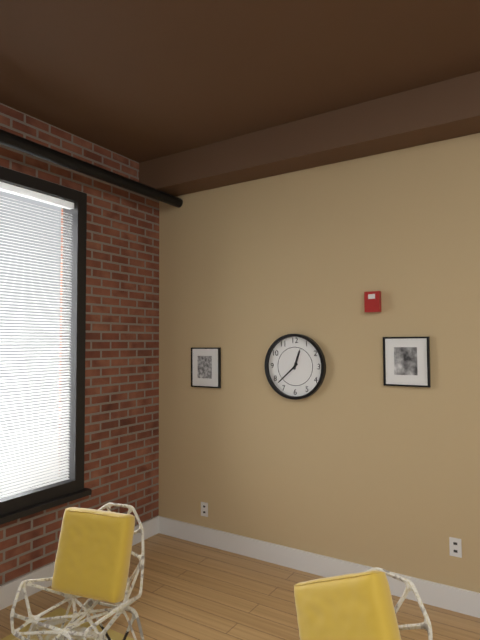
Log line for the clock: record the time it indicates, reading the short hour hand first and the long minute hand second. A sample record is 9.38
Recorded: 12.38
